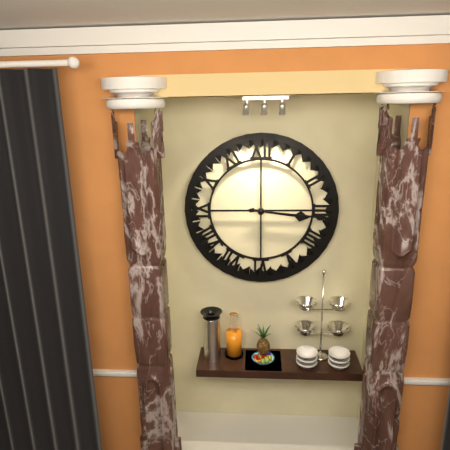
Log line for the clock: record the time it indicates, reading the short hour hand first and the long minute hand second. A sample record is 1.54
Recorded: 3.16
